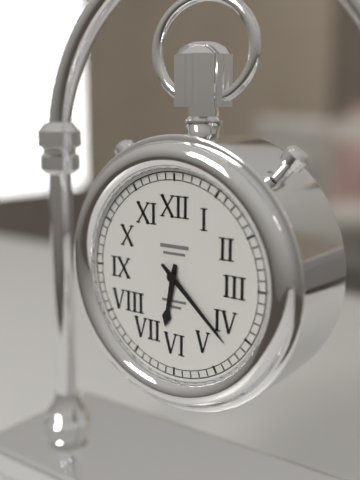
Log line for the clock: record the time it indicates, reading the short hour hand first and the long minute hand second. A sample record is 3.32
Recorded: 6.22
